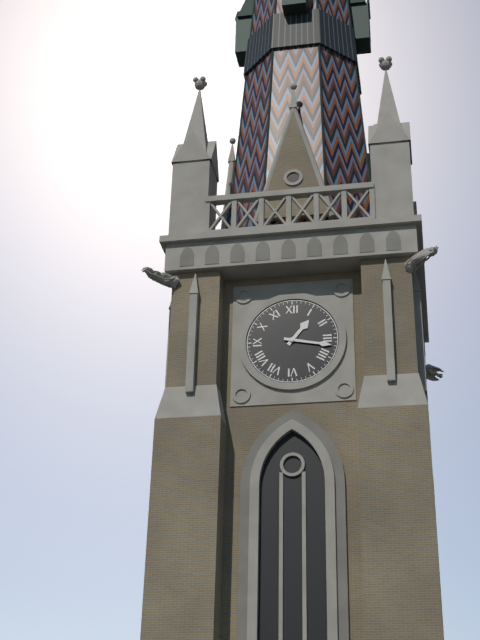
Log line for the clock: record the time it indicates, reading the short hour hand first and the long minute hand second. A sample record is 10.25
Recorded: 1.17
